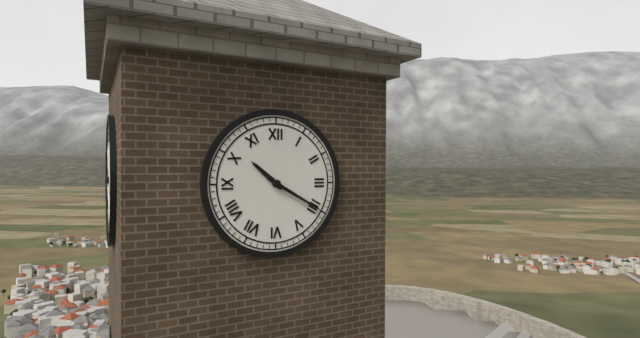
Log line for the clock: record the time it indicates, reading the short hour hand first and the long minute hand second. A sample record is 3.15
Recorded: 10.20
